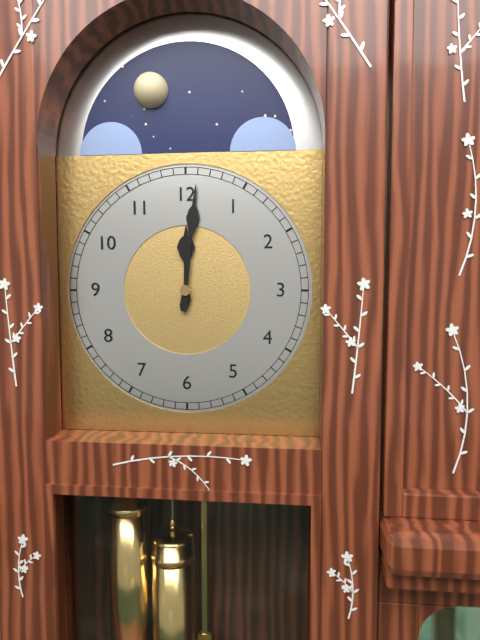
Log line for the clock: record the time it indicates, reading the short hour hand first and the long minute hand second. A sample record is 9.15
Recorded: 12.01
